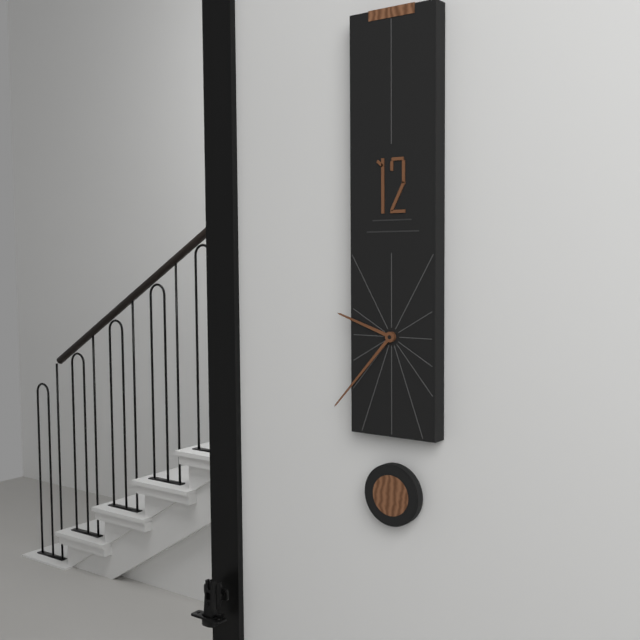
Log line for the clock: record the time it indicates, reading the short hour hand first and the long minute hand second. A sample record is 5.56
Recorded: 9.37
